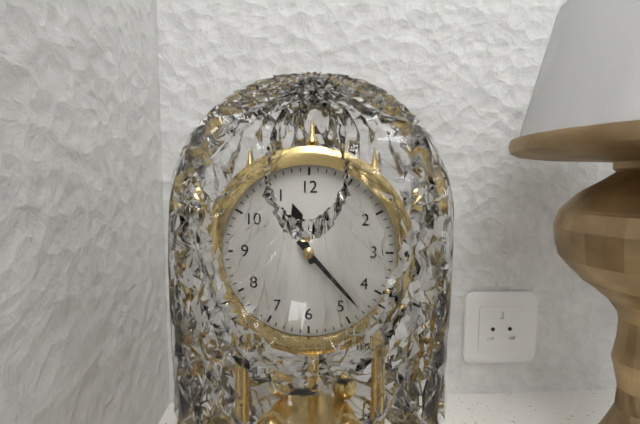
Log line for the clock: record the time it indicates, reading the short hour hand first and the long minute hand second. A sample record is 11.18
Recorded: 11.23
